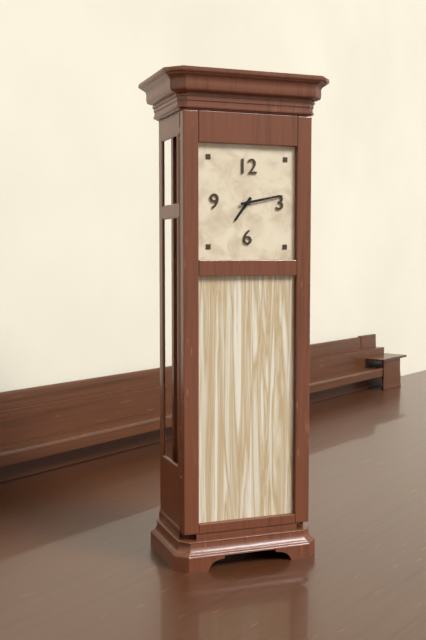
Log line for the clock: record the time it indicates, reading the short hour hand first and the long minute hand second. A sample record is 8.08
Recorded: 7.13
